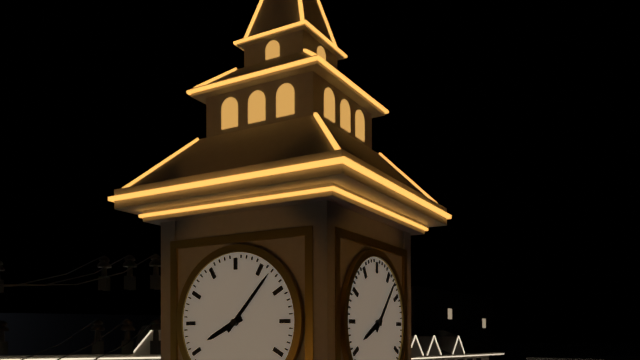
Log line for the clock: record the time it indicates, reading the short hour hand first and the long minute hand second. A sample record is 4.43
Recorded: 8.07
